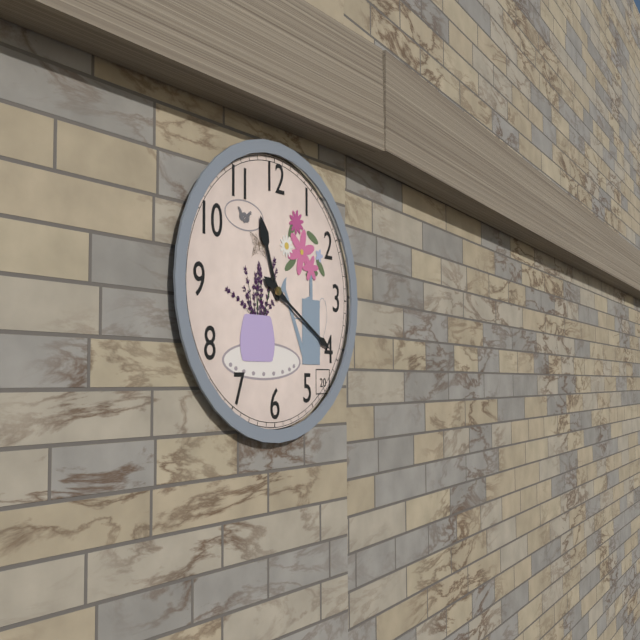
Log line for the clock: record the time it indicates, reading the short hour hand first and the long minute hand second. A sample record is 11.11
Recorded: 11.20
